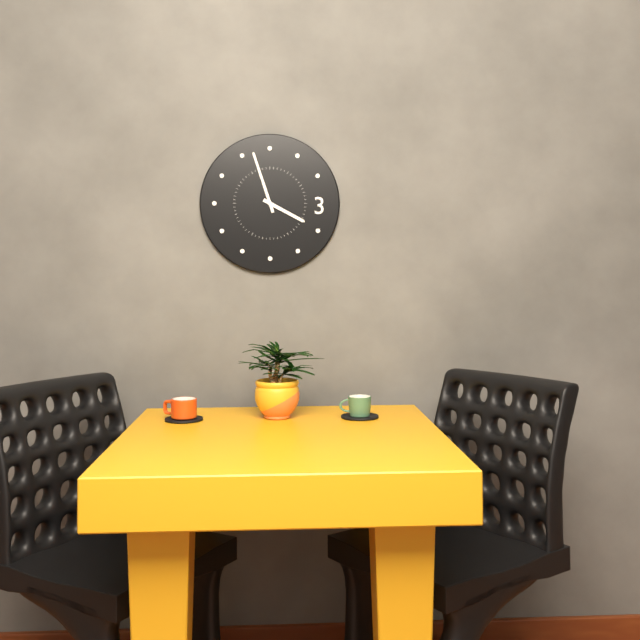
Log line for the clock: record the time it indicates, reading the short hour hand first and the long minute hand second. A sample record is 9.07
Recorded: 3.57
